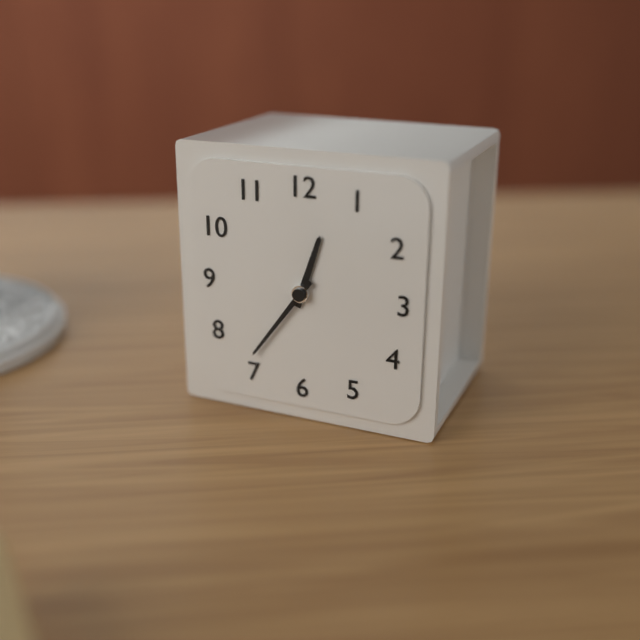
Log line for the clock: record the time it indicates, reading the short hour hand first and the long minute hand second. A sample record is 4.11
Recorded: 12.36
